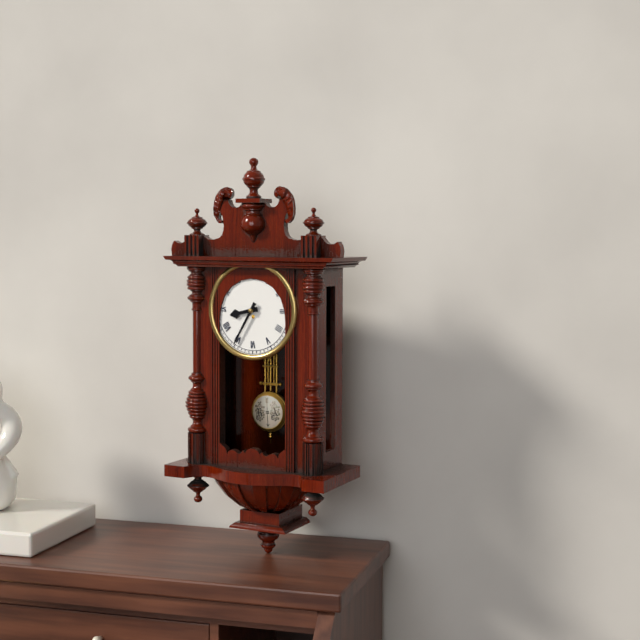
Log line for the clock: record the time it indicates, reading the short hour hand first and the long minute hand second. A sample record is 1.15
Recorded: 8.35
